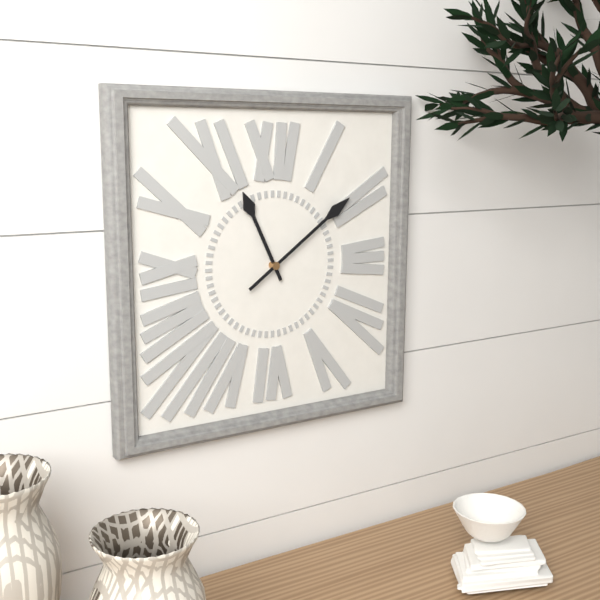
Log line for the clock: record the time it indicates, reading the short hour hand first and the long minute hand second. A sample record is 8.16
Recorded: 11.09
